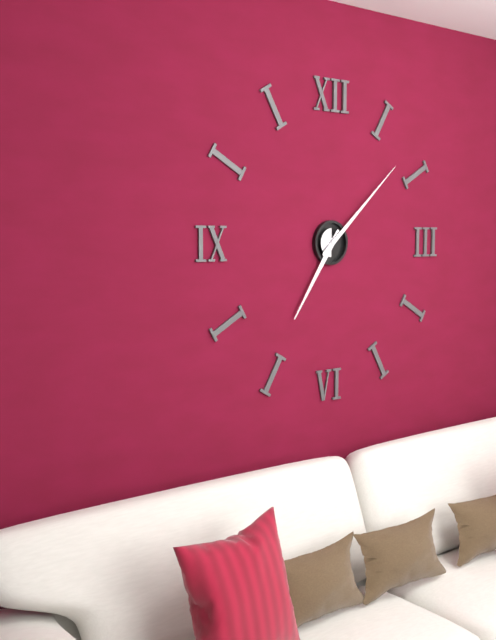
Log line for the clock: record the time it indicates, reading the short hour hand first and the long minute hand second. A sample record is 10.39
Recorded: 7.08
